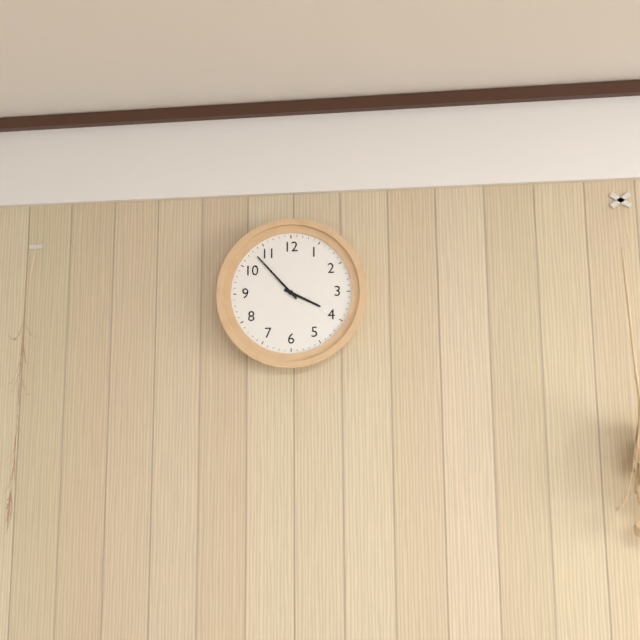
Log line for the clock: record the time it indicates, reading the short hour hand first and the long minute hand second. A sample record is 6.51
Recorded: 3.53
